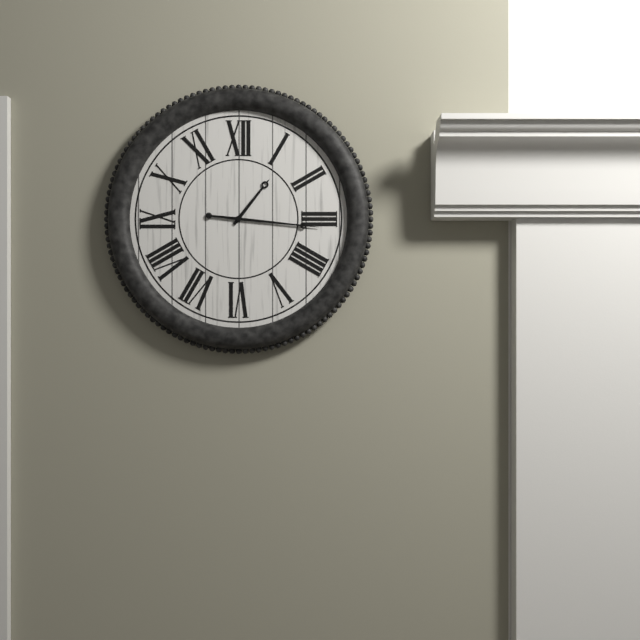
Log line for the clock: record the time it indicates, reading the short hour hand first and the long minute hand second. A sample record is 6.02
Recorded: 1.16
